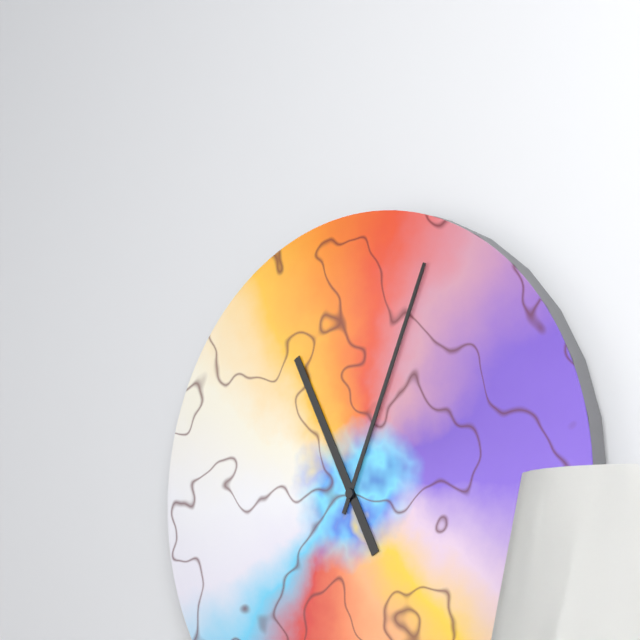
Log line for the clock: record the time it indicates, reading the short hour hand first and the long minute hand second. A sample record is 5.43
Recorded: 11.04
